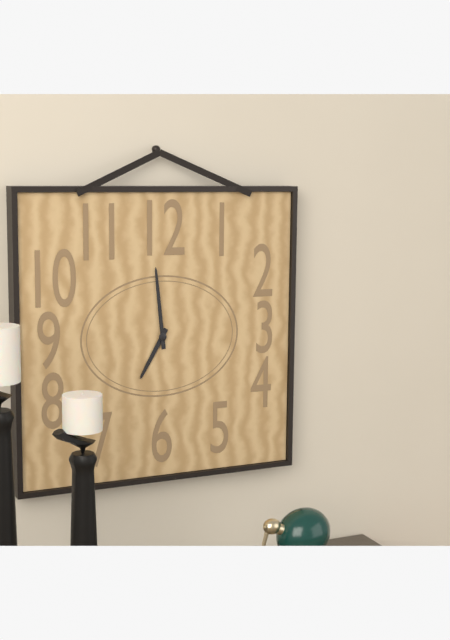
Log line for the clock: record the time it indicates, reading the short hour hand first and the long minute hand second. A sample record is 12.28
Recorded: 6.59
